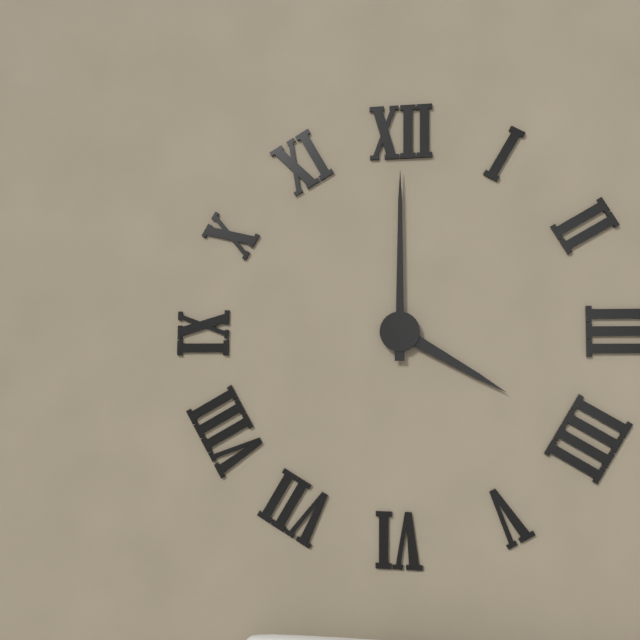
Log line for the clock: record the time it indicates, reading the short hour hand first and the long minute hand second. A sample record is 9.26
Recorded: 4.00
